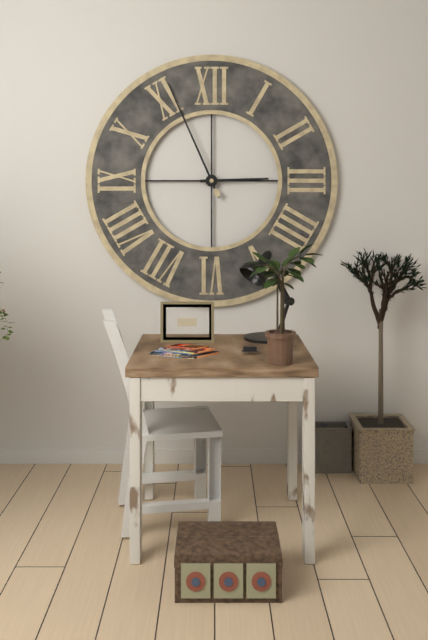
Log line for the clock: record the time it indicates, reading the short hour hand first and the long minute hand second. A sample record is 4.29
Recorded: 2.56
